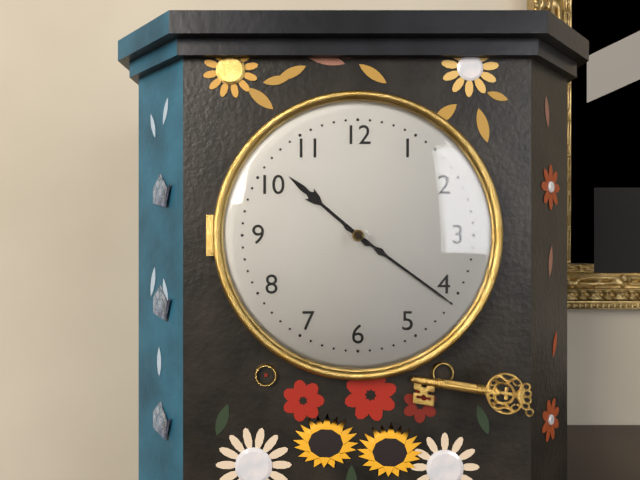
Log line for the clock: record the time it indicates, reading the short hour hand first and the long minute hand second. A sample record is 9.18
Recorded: 10.21
